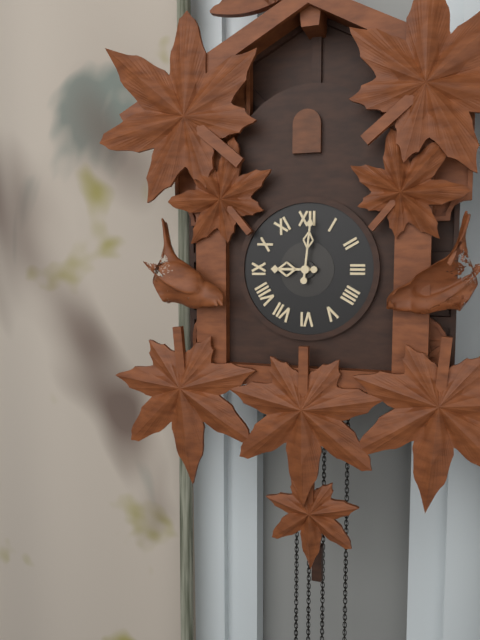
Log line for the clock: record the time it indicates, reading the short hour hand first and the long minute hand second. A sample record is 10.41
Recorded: 9.01
